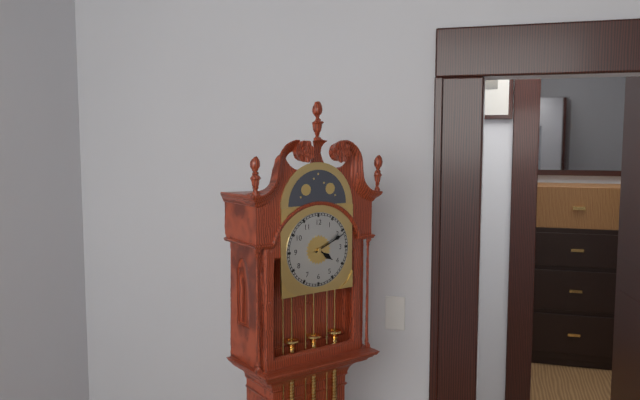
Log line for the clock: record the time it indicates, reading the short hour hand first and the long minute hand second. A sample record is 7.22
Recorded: 4.11
